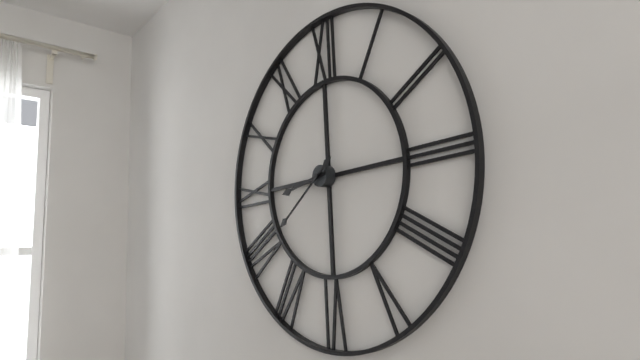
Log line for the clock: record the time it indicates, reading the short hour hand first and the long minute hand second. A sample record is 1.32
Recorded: 8.39
